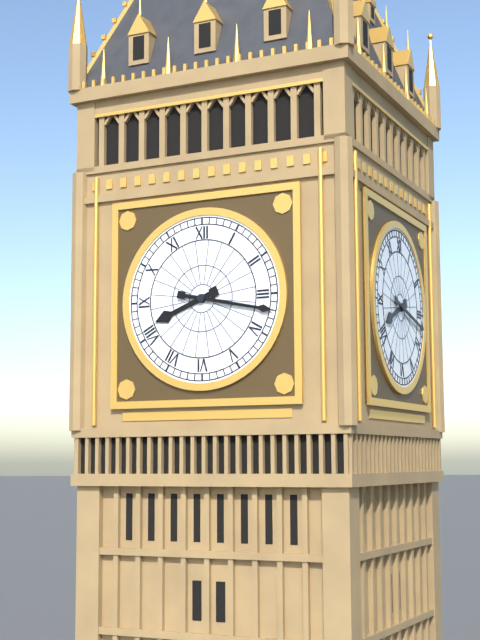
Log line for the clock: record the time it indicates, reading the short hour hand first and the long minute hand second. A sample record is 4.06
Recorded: 8.17
